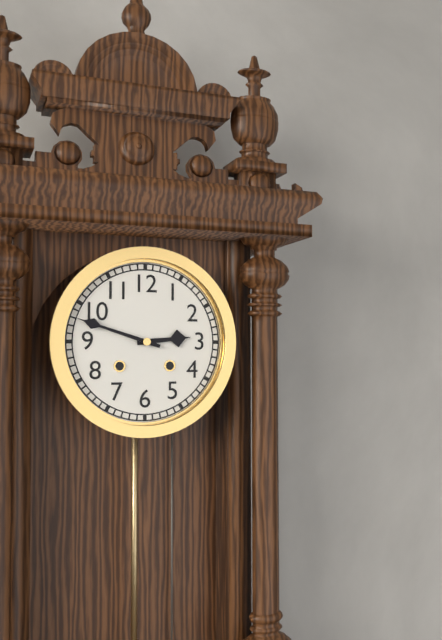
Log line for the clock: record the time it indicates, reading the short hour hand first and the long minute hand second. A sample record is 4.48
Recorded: 2.48
